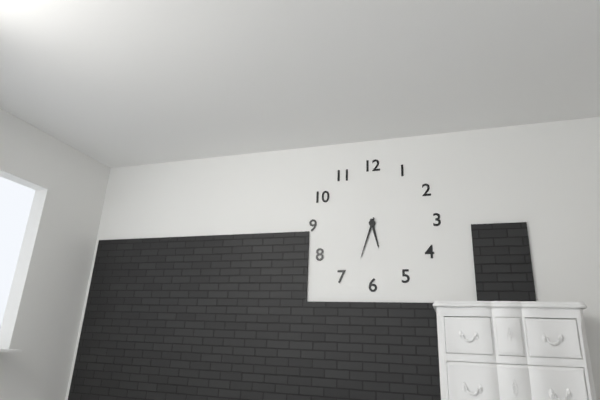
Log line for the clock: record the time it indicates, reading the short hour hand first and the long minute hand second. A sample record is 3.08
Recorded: 5.33
